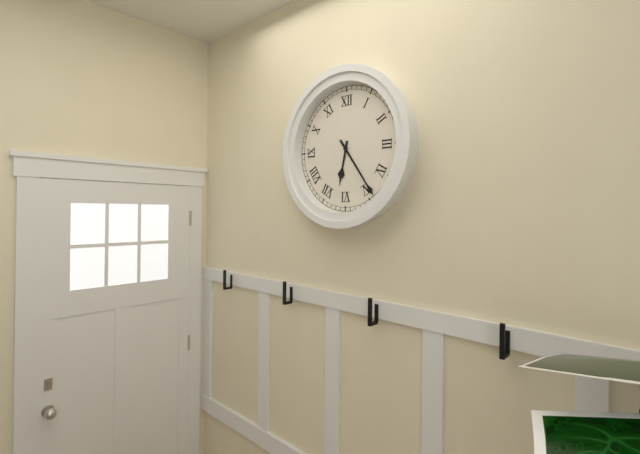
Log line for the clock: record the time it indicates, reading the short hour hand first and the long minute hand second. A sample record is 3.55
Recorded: 6.24
